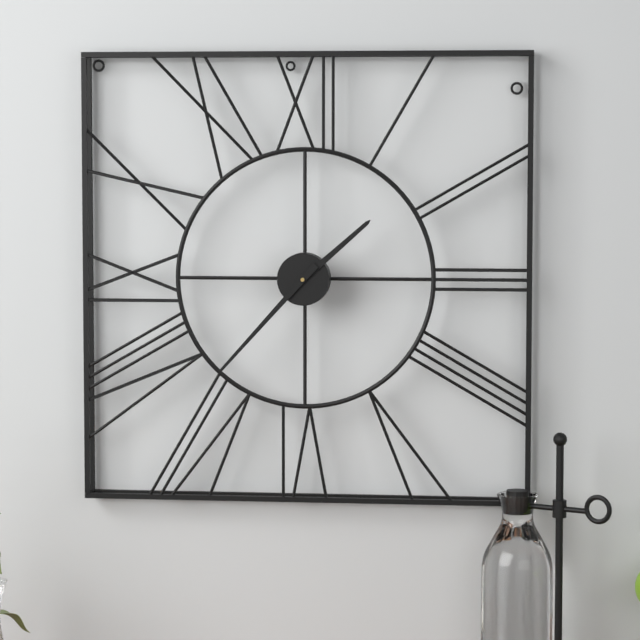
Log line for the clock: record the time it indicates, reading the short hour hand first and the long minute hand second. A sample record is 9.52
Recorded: 1.37
